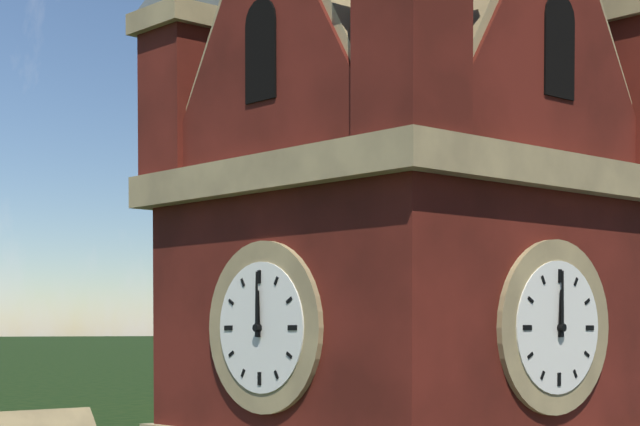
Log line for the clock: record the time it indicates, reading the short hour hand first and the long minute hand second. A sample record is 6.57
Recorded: 12.00
